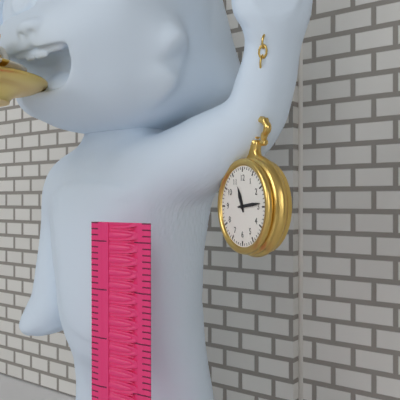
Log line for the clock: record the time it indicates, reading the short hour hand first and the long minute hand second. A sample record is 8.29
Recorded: 11.14
